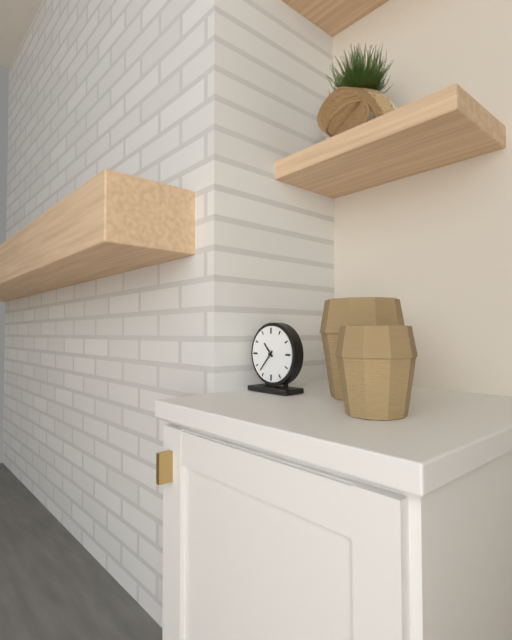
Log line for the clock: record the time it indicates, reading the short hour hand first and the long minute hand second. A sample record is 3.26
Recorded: 10.37
